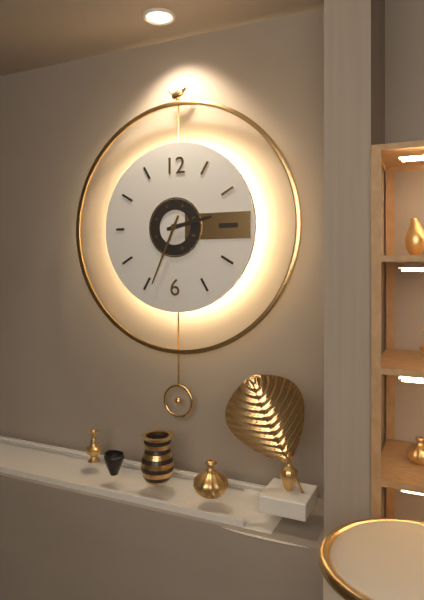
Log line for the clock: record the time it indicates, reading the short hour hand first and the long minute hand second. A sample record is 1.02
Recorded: 2.34
